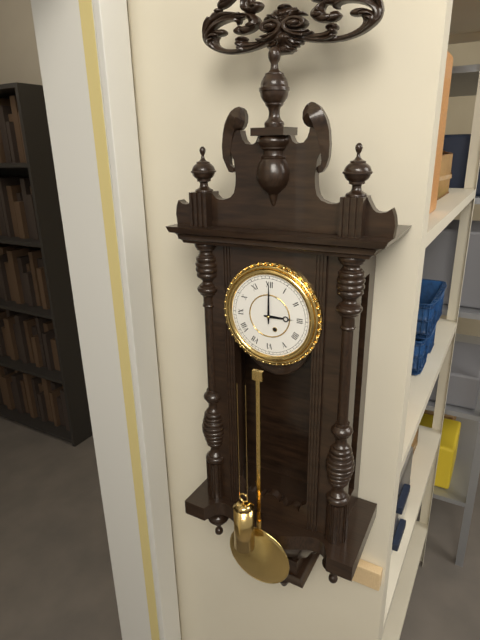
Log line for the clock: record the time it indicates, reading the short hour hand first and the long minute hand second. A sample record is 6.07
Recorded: 3.00
